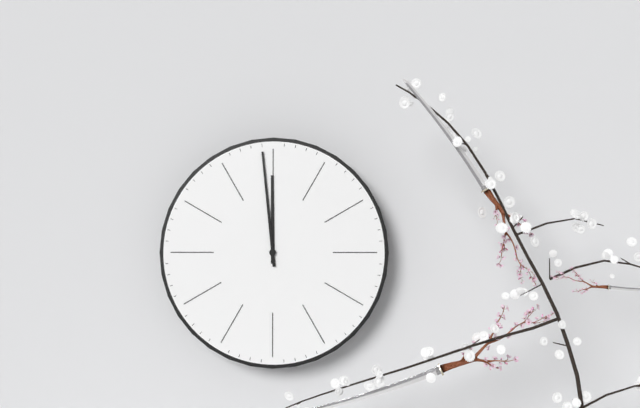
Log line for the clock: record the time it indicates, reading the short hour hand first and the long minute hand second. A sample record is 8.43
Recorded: 11.59
